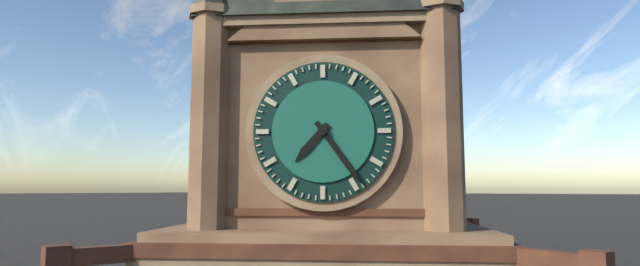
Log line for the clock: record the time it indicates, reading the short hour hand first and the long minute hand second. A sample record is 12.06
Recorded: 7.24
